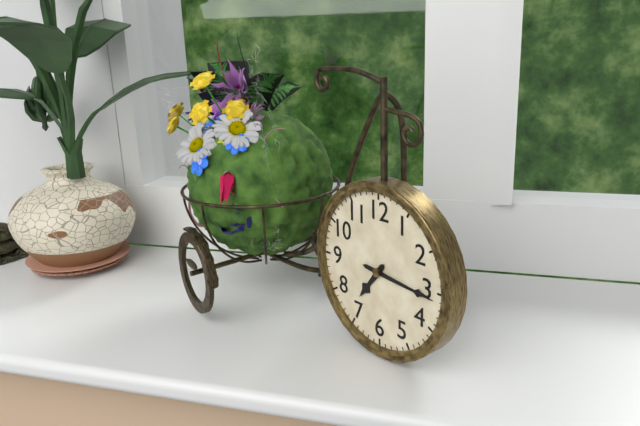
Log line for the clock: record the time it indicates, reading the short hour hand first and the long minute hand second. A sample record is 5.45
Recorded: 7.16
